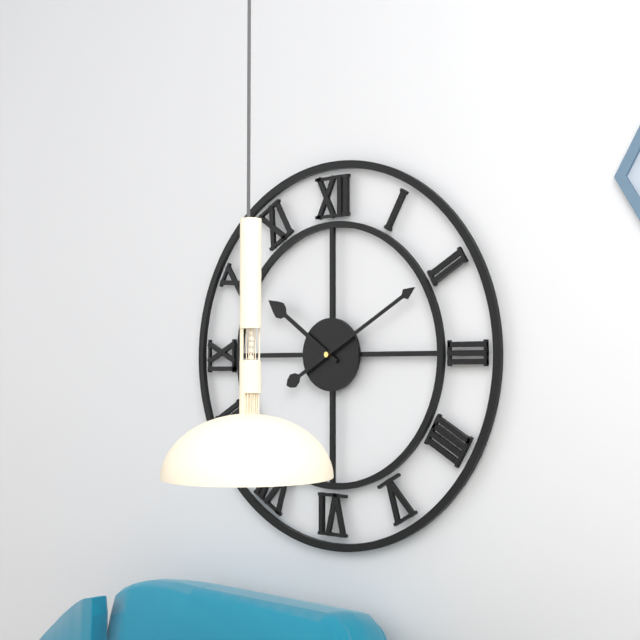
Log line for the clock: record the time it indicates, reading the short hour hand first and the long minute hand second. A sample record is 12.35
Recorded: 10.10
